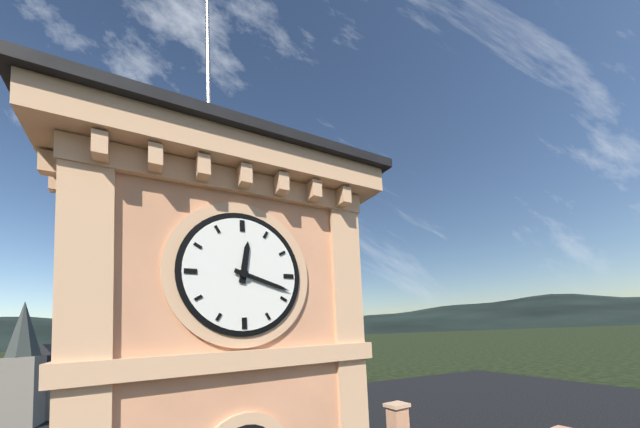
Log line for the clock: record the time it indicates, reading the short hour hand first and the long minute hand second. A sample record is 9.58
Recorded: 12.18
